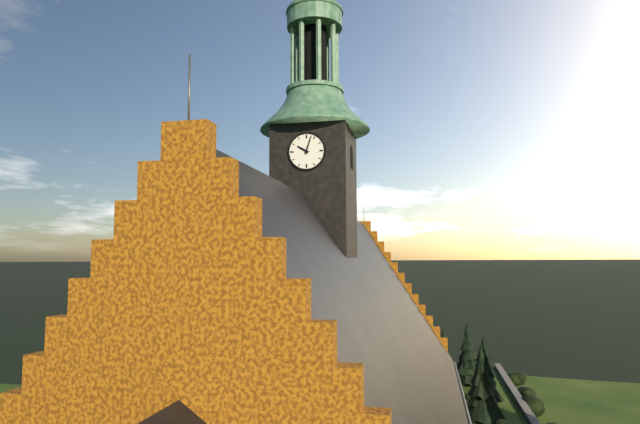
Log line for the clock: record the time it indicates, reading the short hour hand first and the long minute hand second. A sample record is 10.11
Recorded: 10.03
